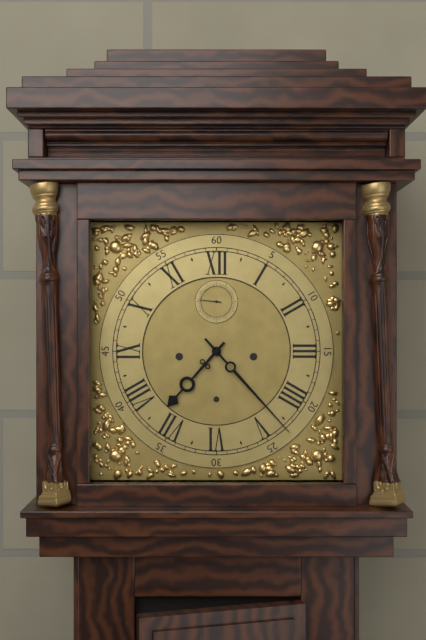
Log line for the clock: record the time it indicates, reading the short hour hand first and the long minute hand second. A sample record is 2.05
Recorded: 7.23
